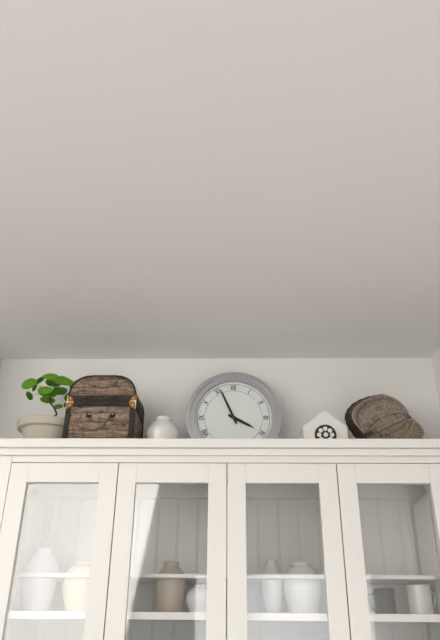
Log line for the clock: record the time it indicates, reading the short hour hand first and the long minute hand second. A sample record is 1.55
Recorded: 3.56
